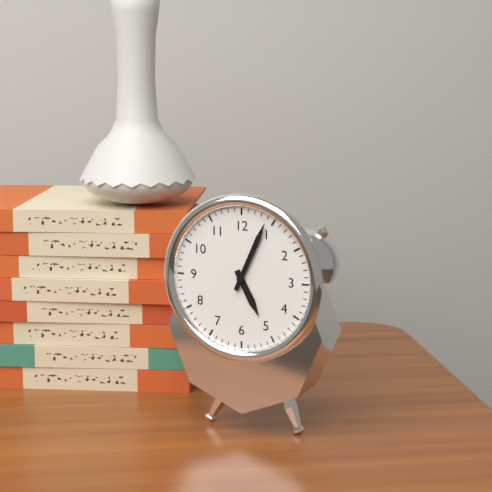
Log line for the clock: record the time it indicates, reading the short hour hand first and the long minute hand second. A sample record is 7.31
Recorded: 5.04
